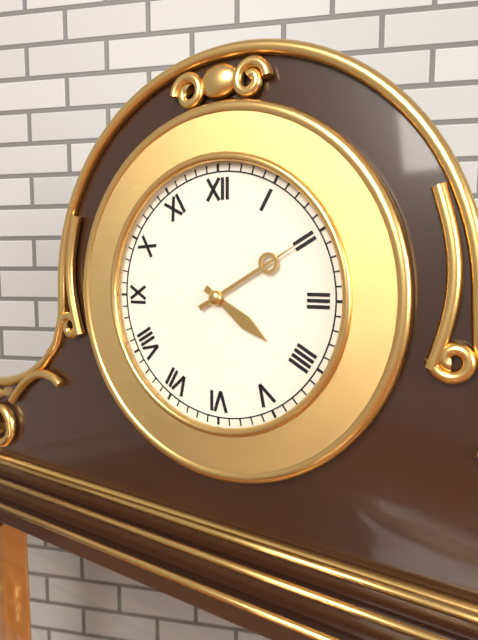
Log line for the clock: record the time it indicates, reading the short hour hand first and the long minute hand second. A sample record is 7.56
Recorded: 4.10
